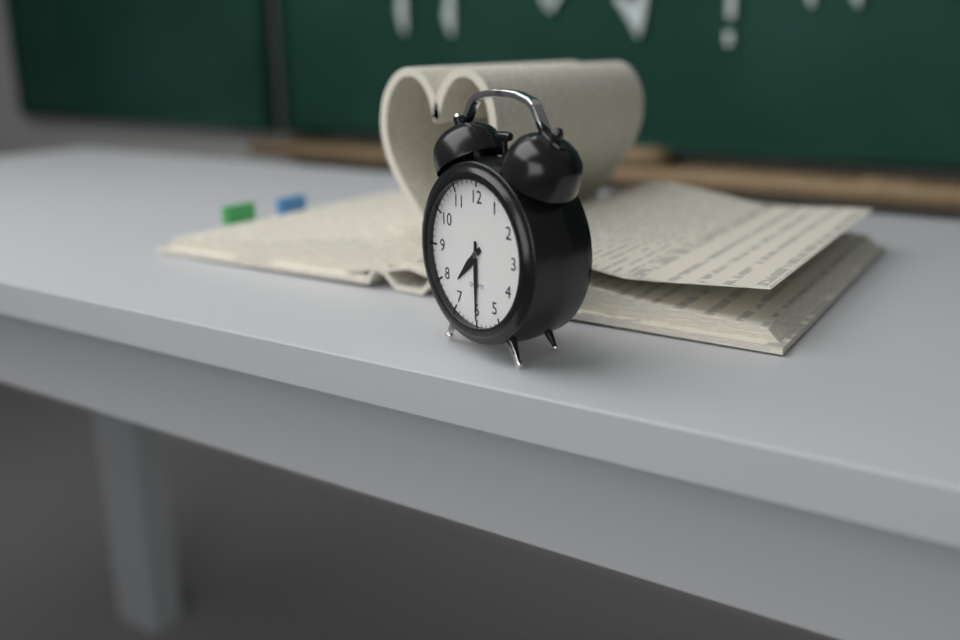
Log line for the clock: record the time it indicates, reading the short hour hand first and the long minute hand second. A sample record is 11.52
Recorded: 7.30
